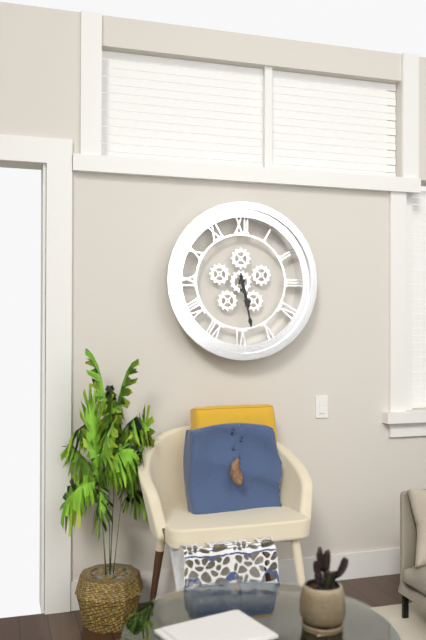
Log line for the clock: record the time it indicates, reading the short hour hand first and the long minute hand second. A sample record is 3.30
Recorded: 5.28
